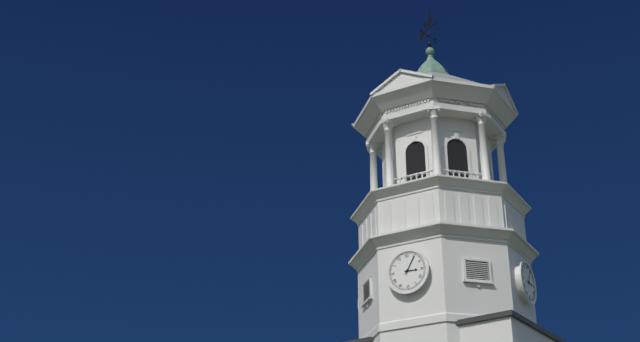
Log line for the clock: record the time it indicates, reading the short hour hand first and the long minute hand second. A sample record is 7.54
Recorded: 3.05
